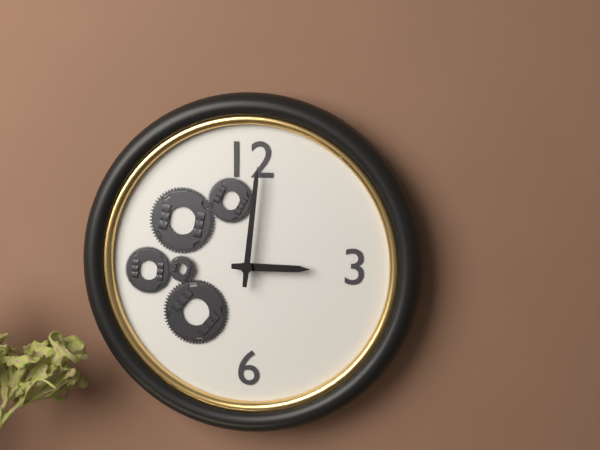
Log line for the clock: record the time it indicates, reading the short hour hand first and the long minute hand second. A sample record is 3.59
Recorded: 3.01
